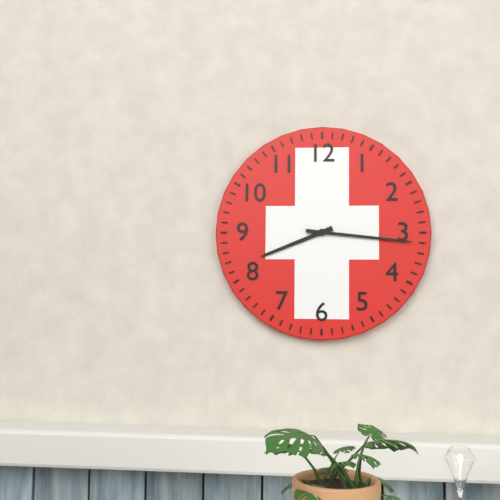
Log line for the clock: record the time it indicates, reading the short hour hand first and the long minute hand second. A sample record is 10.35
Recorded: 8.16
